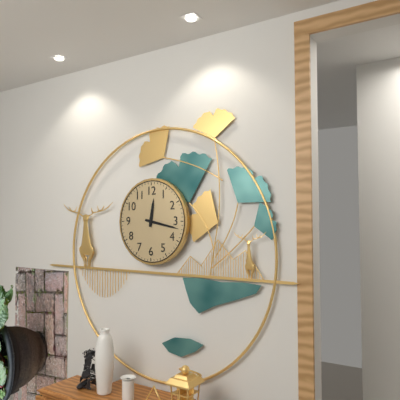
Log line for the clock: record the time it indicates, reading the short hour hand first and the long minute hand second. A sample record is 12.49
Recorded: 12.17
